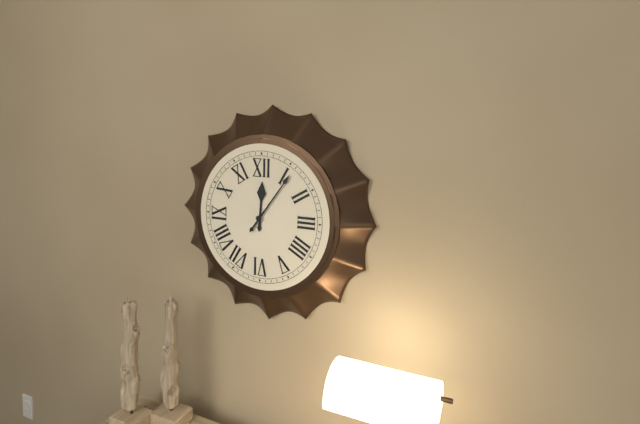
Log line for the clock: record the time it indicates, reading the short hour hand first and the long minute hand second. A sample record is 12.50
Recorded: 12.06
